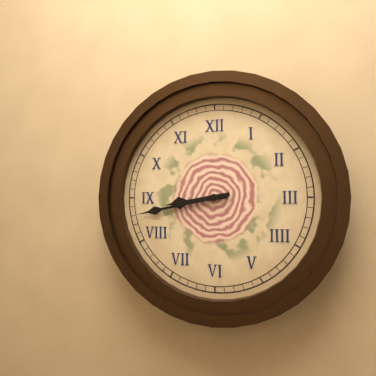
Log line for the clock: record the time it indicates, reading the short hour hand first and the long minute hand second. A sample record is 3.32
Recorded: 8.43
